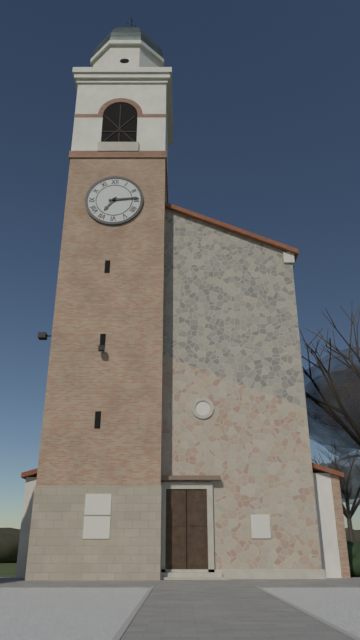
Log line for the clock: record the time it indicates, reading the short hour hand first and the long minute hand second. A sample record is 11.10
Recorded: 7.14
